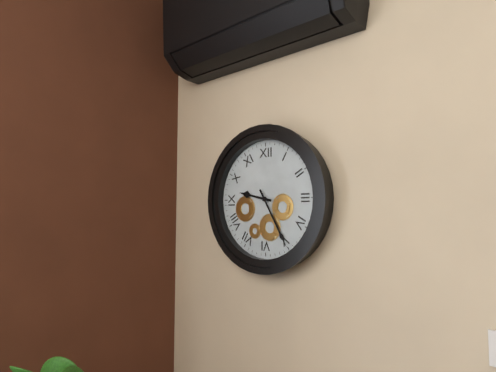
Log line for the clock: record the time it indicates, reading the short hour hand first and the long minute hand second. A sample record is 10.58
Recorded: 9.25
